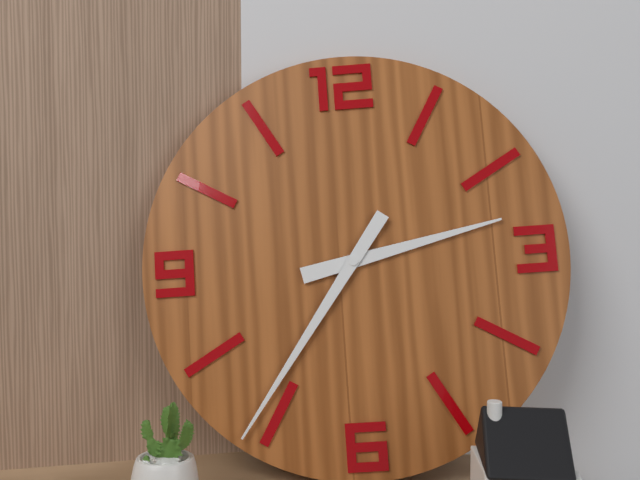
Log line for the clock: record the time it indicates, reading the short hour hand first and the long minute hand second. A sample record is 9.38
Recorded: 2.36
